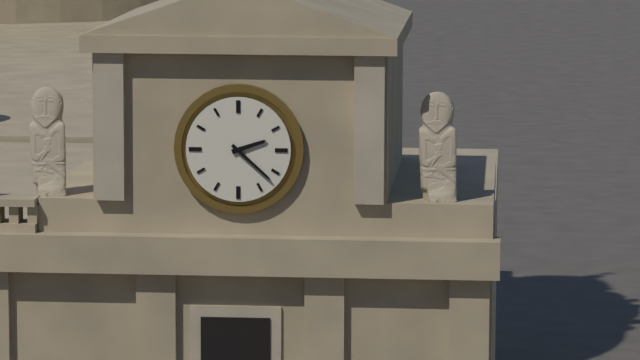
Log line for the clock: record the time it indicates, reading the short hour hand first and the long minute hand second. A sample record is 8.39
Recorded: 2.22
